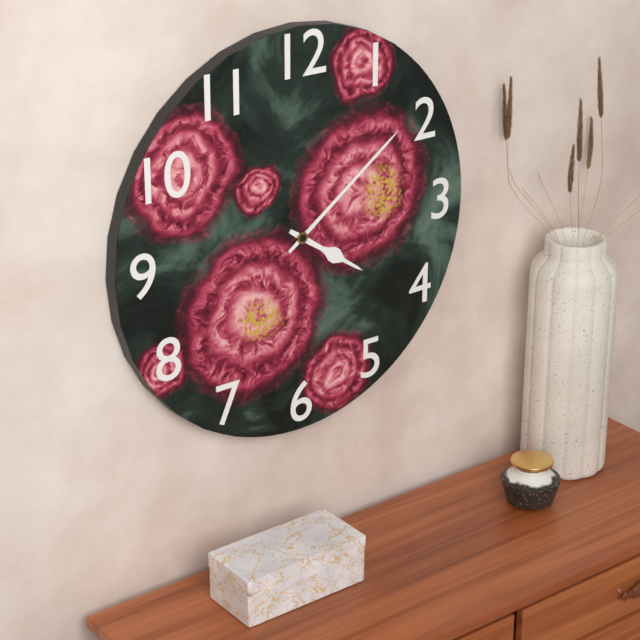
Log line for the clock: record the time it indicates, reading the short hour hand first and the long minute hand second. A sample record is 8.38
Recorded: 4.09
